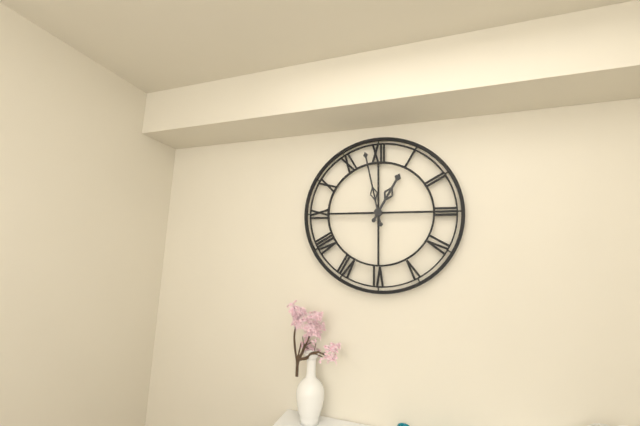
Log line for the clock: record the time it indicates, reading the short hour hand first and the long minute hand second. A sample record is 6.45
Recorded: 12.58
